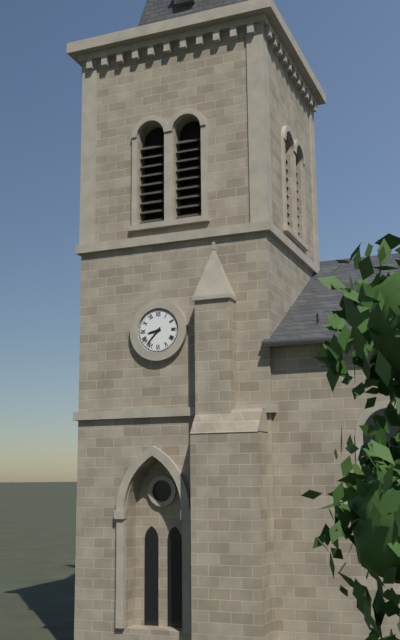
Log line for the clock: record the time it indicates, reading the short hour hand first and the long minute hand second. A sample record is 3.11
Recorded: 8.37
